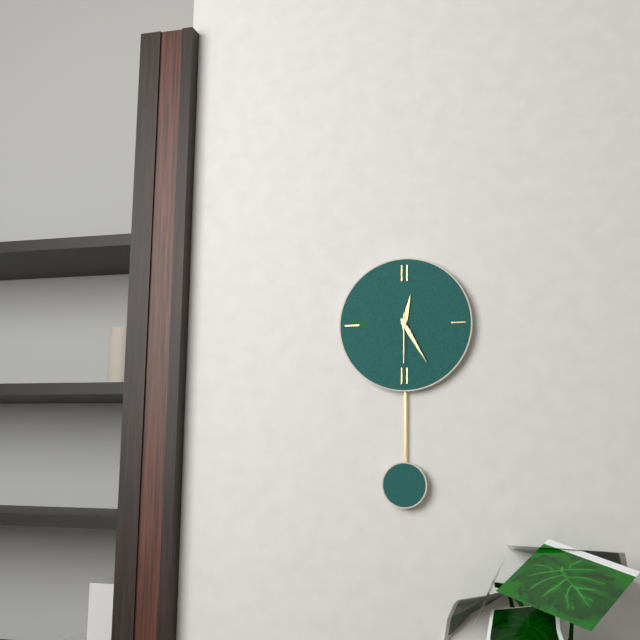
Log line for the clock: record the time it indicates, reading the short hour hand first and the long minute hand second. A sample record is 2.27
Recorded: 12.25
